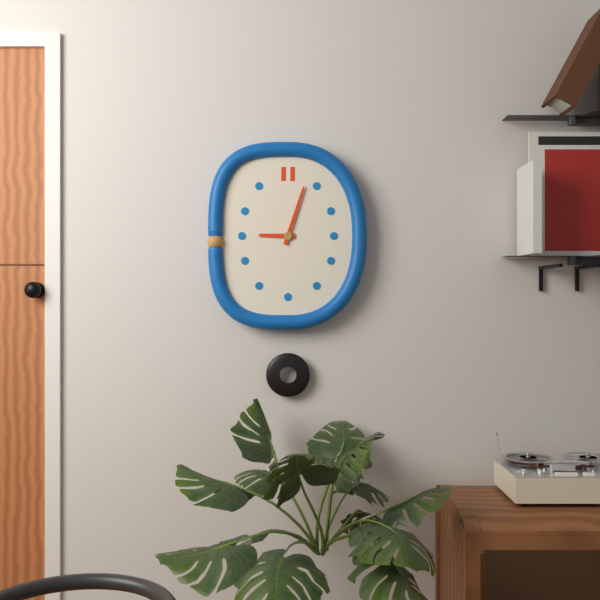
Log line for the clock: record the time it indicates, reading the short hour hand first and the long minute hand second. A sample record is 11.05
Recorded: 9.03
